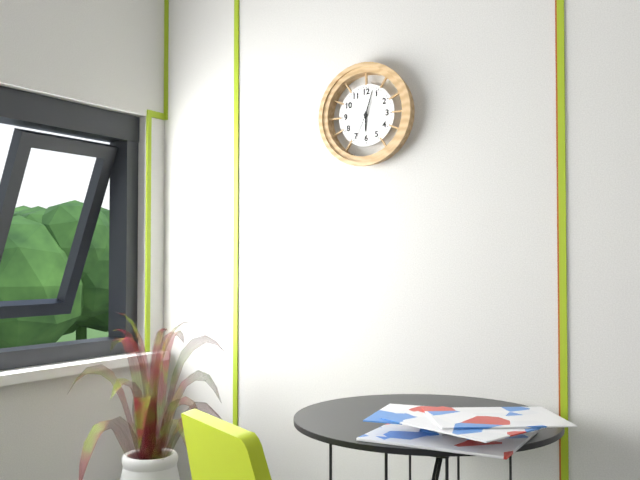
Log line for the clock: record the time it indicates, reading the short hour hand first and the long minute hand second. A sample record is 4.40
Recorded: 6.03
